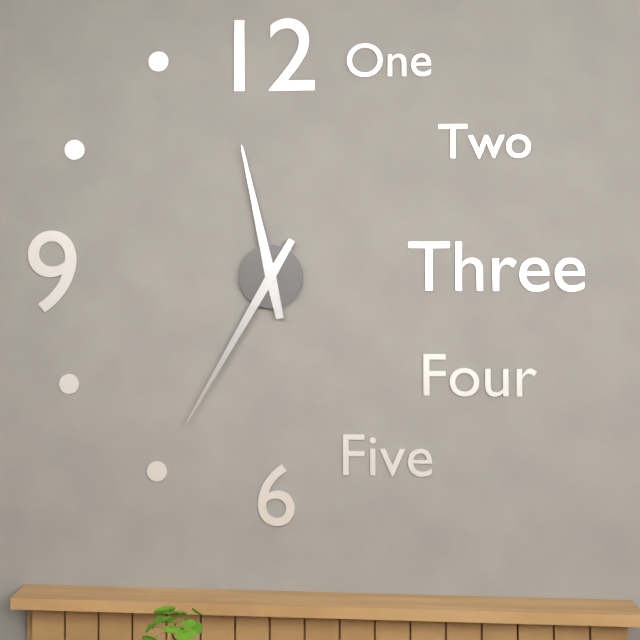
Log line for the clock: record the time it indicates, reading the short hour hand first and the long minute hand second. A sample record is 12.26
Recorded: 11.35
